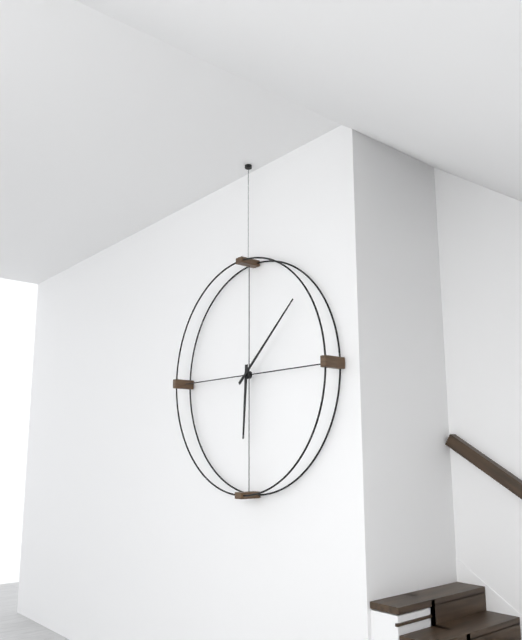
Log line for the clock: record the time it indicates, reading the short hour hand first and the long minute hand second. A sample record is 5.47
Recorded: 6.08
